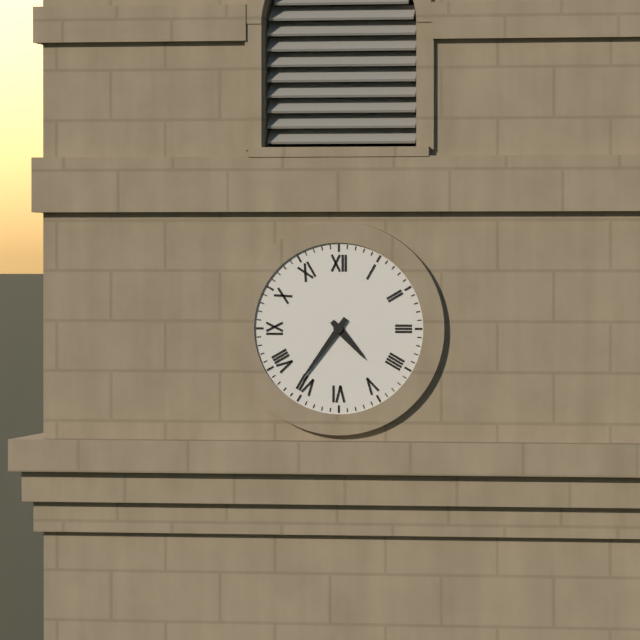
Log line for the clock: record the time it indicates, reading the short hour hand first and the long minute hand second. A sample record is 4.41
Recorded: 4.36
